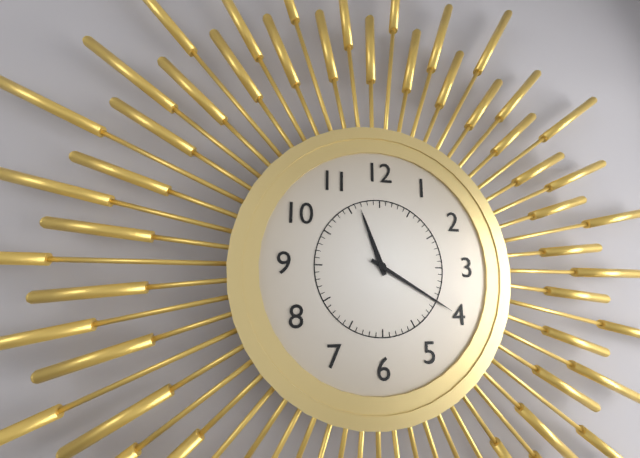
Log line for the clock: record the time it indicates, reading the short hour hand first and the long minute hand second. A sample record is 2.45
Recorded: 11.20
